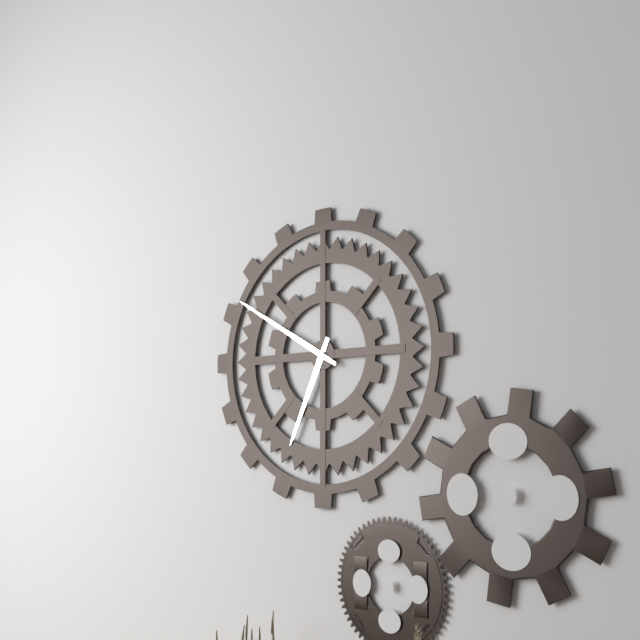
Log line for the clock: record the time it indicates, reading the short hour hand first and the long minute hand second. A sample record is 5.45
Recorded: 6.50
